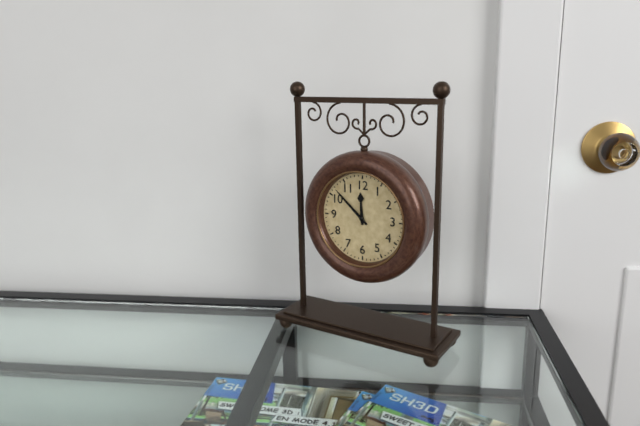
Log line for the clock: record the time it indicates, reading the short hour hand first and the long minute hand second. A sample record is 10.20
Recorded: 11.52
